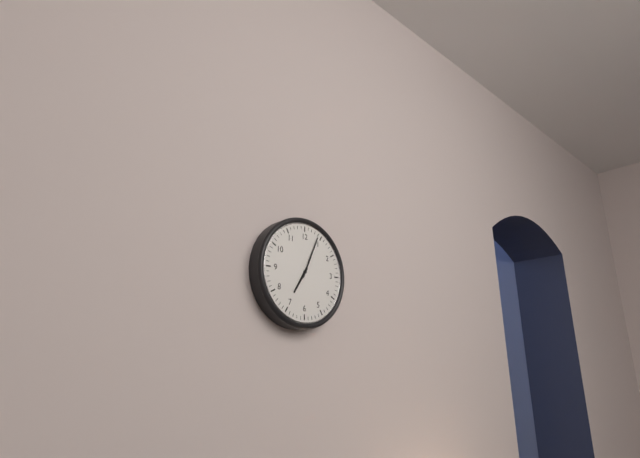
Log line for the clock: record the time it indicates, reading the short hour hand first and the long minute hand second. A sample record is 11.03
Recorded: 7.04
